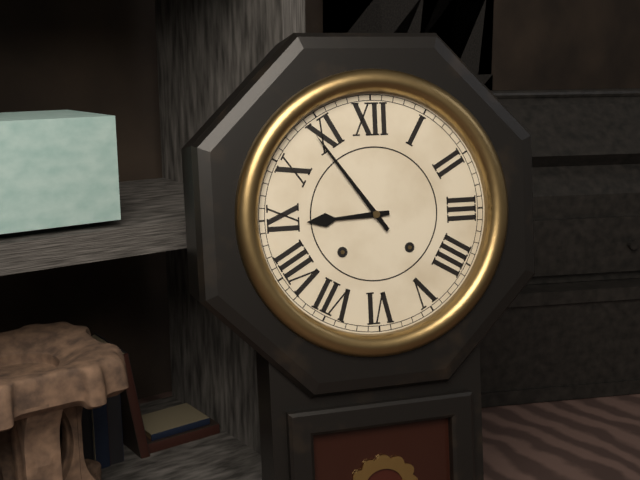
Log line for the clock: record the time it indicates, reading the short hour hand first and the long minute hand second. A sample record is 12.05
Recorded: 8.54
